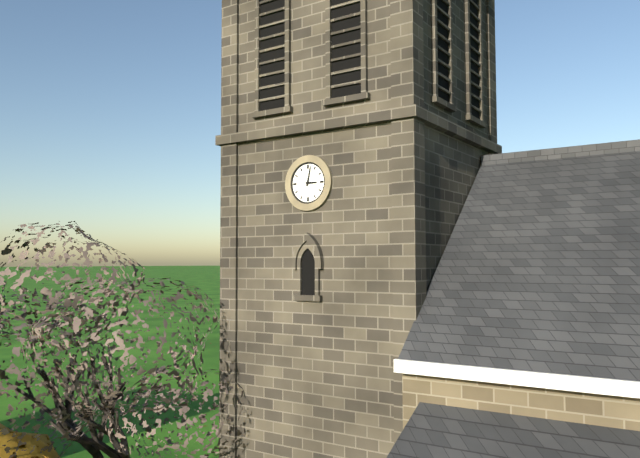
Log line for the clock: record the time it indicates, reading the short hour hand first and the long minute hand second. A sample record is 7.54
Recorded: 3.02
